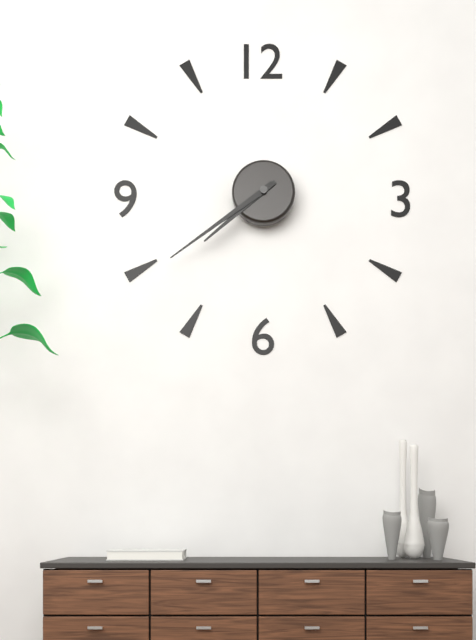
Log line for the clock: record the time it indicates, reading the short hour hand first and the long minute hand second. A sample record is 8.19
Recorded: 7.39
